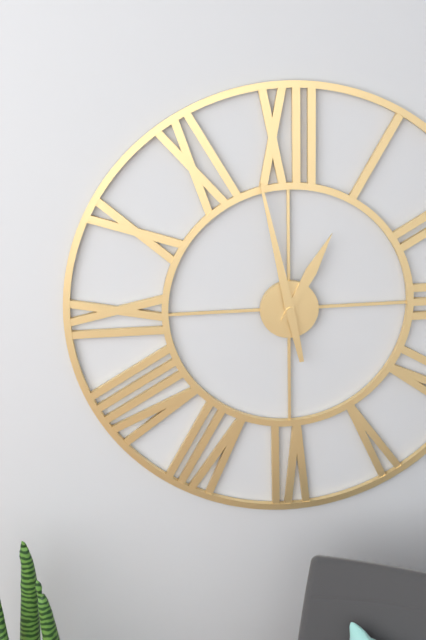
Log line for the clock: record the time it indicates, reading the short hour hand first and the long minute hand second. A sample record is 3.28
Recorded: 12.58
